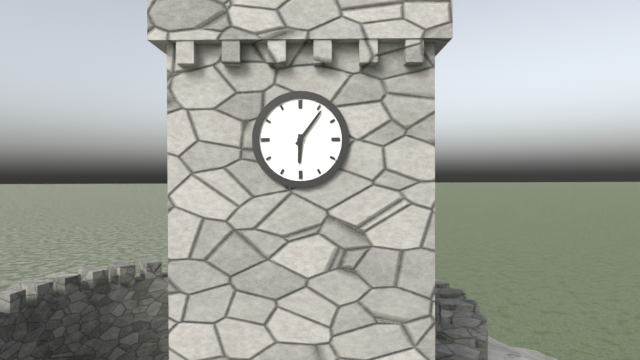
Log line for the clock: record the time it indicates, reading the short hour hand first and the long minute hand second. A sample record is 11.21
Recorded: 6.06
